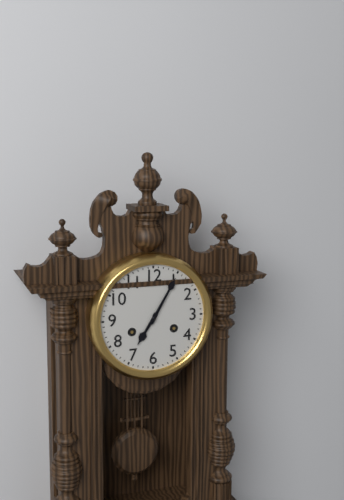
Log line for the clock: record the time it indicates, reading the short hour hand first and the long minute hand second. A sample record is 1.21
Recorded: 7.05
